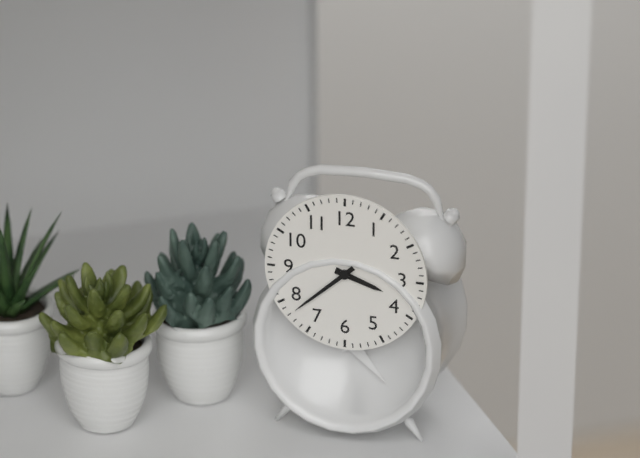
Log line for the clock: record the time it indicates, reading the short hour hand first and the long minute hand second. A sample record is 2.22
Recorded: 3.38
